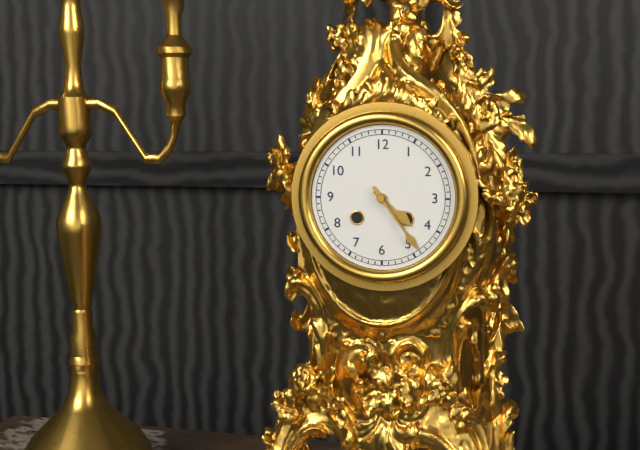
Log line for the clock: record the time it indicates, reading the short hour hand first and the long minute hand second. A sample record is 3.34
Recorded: 4.24
